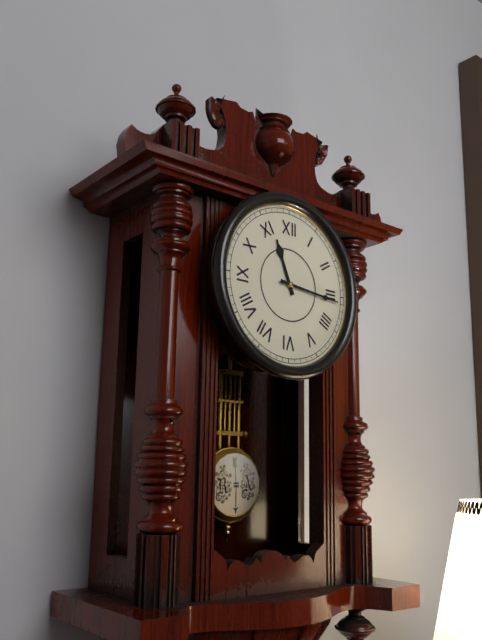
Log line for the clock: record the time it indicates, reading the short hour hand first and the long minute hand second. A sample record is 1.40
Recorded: 11.16
